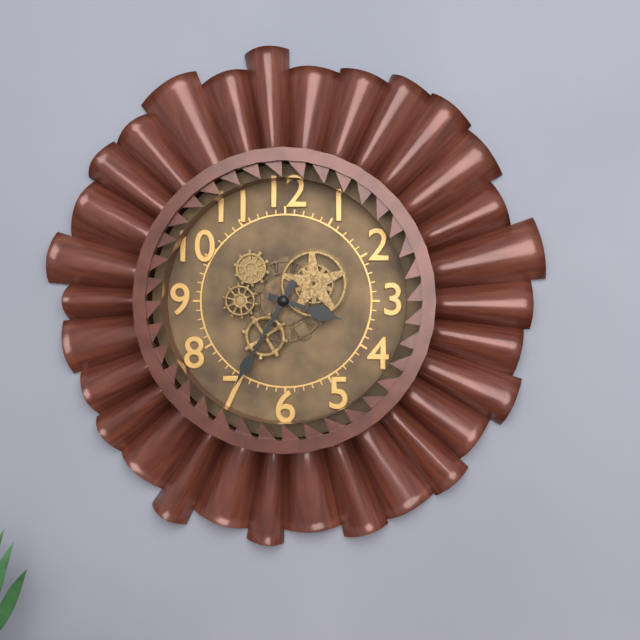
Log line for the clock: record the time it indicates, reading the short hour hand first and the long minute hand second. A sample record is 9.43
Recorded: 3.35
